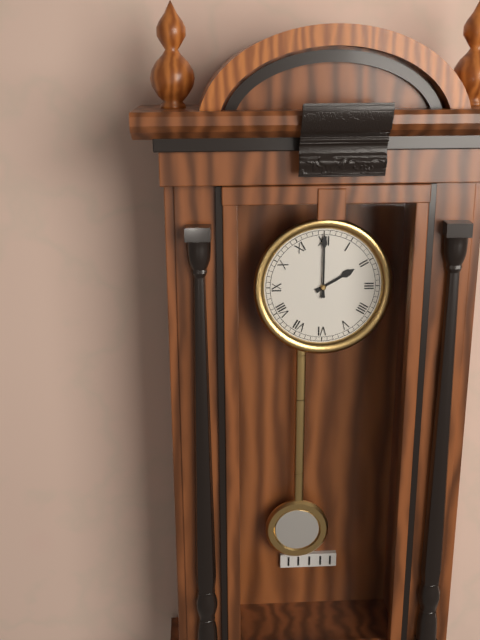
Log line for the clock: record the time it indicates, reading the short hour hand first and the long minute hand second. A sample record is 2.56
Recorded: 2.00
